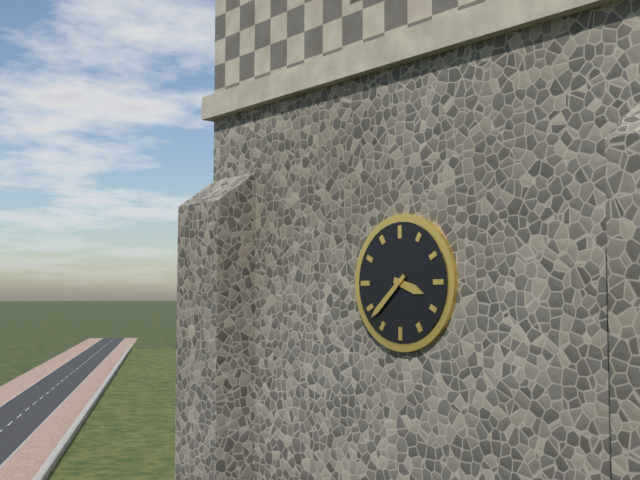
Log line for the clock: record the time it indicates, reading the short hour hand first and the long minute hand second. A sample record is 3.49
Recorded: 3.38
